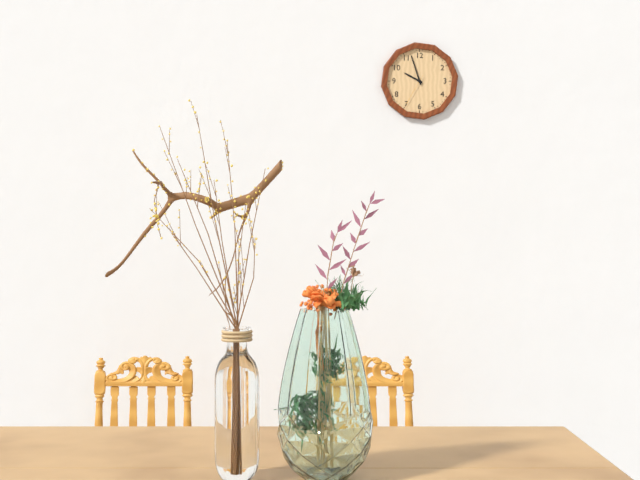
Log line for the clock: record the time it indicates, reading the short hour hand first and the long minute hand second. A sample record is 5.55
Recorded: 9.57
